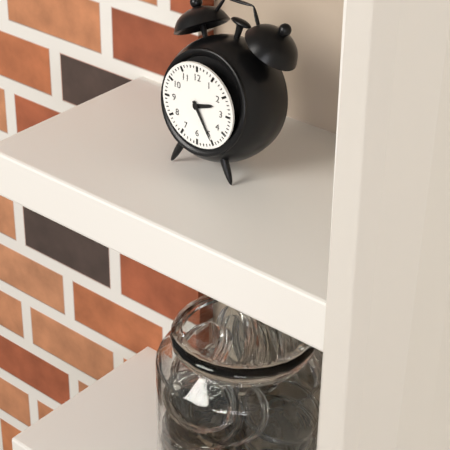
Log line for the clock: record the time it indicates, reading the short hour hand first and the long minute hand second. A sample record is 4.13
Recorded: 2.25
